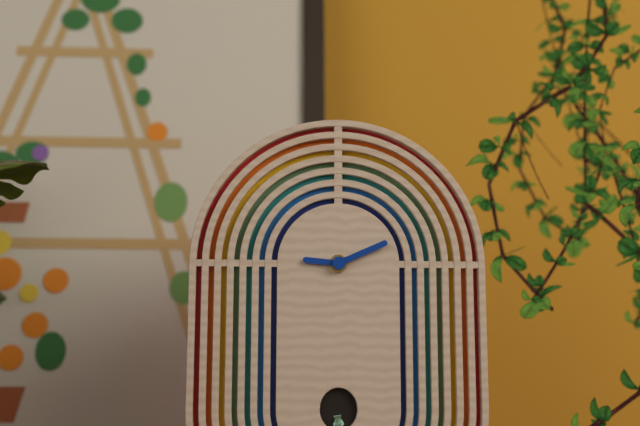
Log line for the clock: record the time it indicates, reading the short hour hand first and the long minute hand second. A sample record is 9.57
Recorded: 9.11
